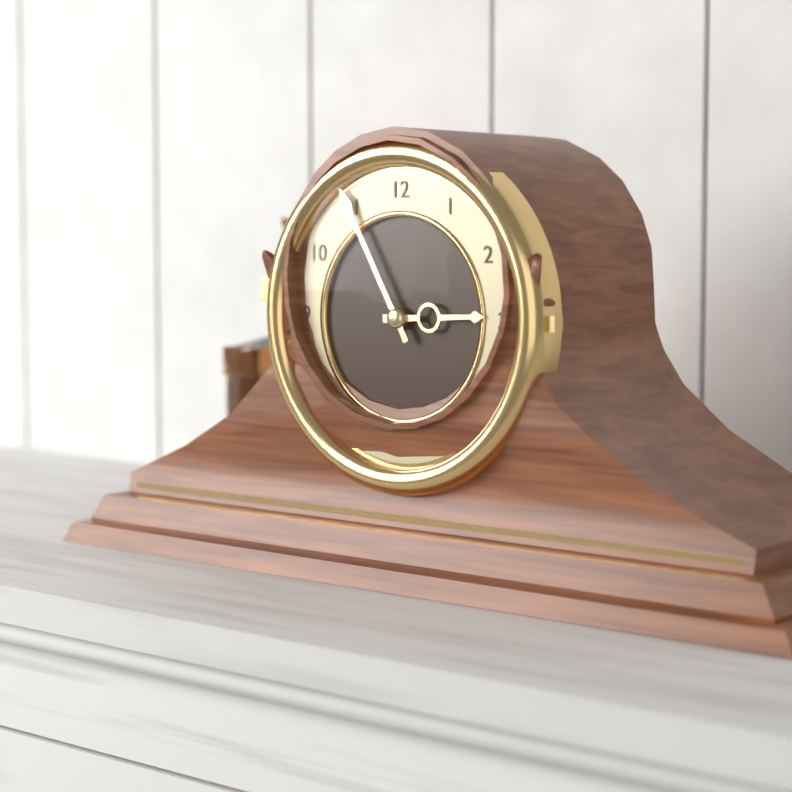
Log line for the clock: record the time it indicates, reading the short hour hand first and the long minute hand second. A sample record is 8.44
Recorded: 2.55
